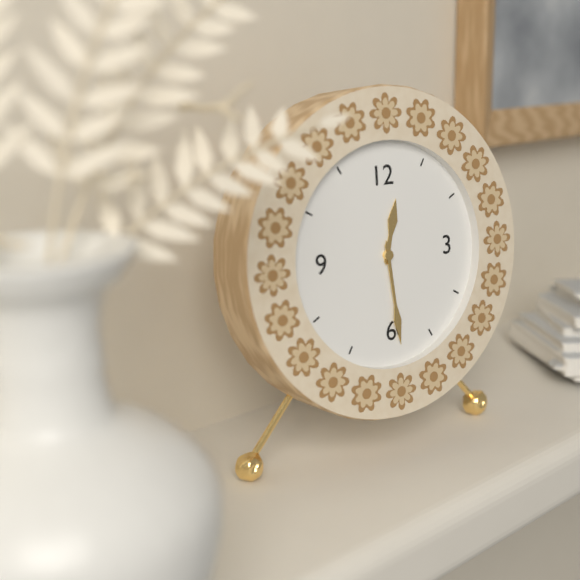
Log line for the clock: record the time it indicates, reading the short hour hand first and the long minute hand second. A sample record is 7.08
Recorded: 12.29
